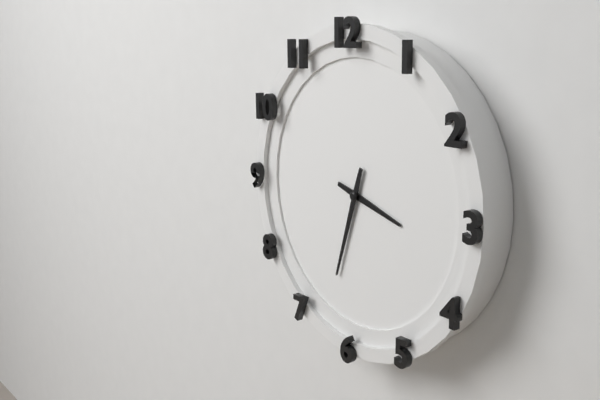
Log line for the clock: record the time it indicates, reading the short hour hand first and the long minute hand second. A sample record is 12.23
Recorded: 3.33
